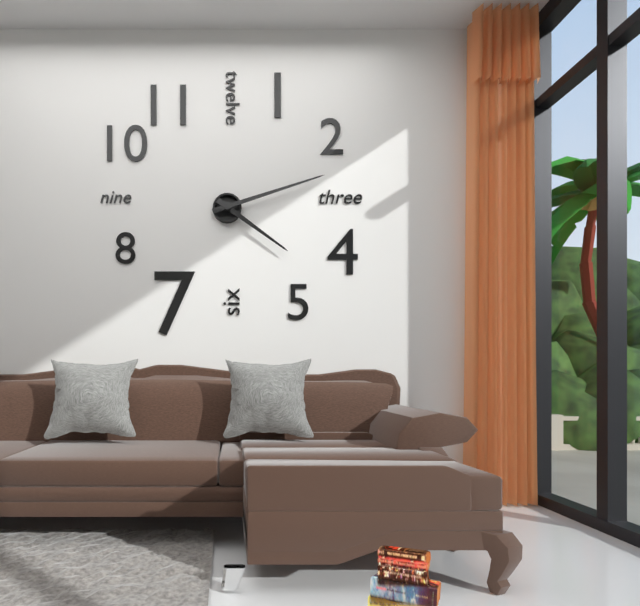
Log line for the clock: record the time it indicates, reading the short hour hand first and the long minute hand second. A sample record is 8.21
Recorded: 4.12
